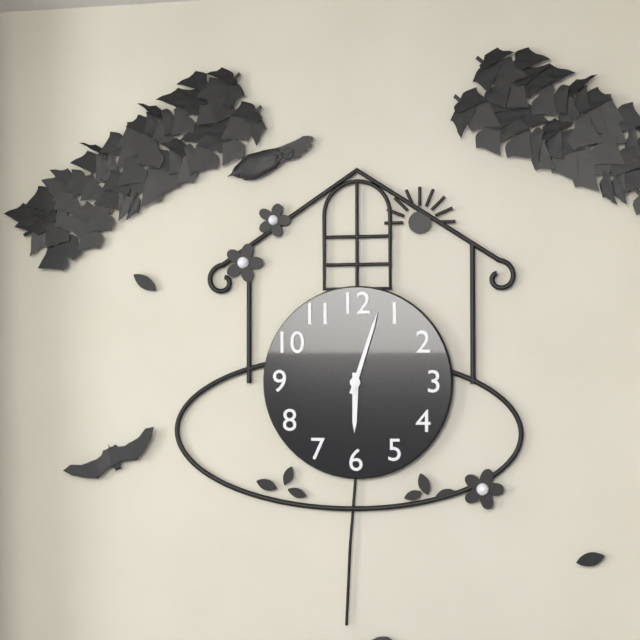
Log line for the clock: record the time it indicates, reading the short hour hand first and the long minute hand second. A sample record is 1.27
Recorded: 6.03
